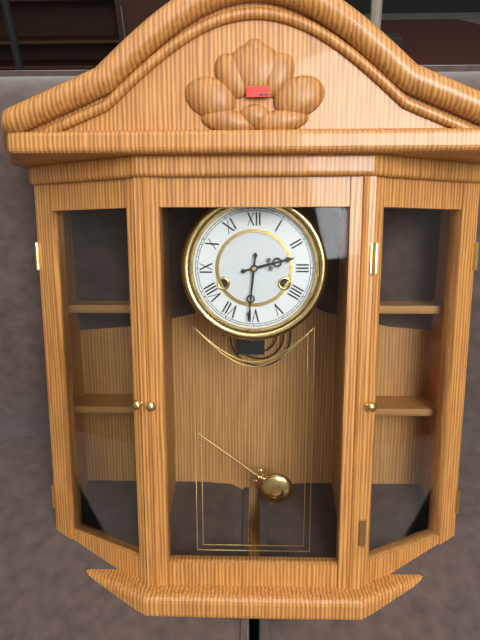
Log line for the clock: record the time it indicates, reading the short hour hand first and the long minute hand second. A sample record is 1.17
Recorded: 2.31
